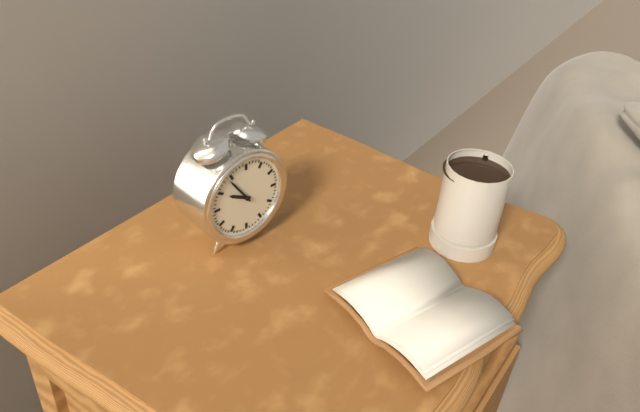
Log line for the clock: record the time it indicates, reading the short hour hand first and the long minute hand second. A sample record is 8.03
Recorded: 9.54
